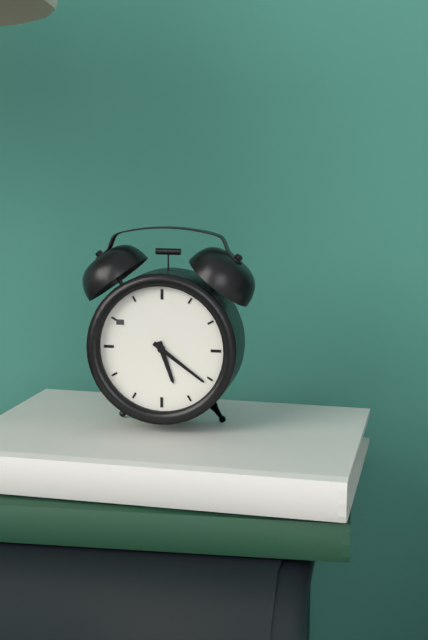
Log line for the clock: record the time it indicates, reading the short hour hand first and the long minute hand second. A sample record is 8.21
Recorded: 5.21
